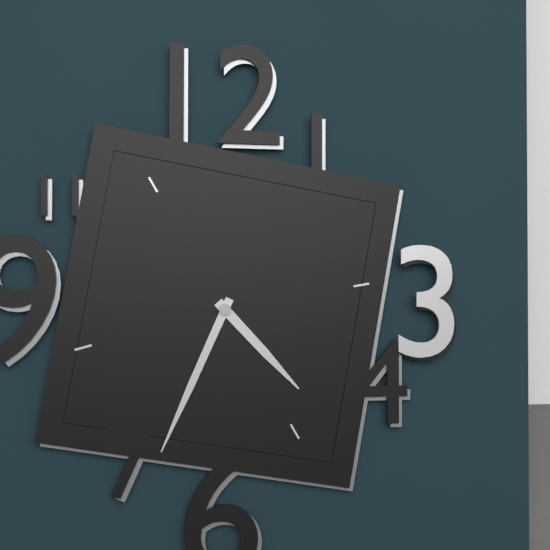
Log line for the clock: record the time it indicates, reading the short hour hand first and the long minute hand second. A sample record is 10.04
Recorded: 4.34
